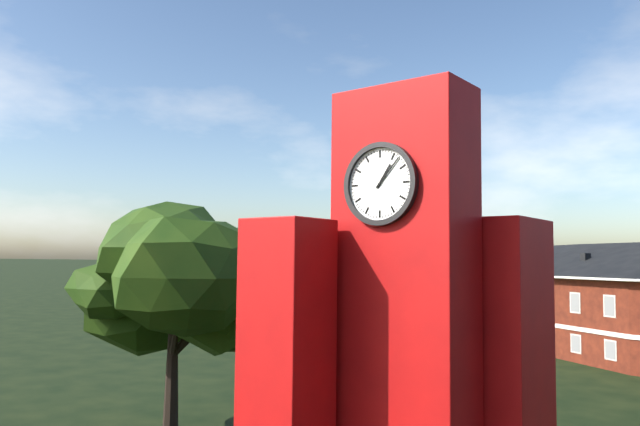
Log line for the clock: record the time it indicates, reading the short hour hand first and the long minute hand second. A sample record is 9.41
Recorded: 1.07
